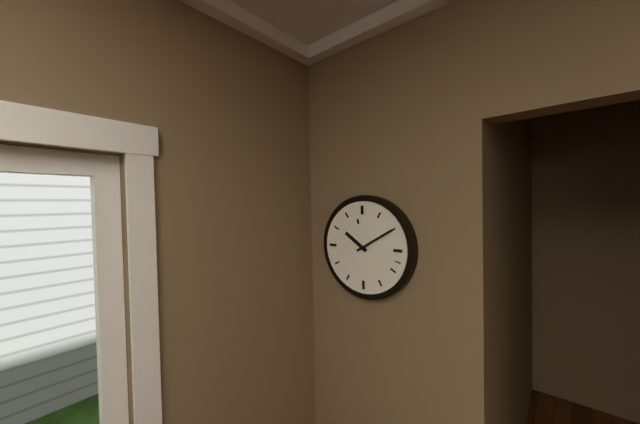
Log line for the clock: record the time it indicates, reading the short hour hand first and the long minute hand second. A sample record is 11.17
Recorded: 10.10
